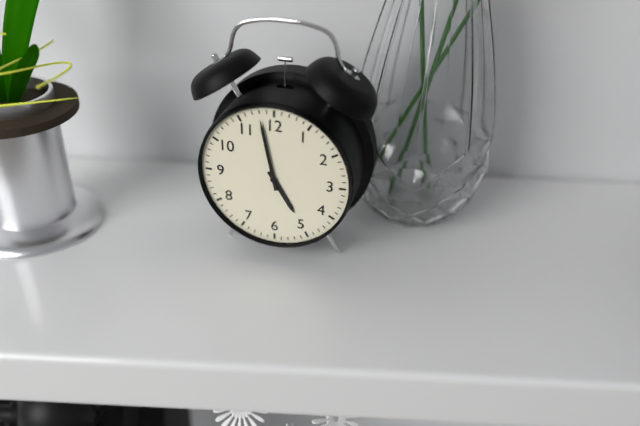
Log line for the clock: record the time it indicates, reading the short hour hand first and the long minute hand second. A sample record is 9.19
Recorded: 4.58
